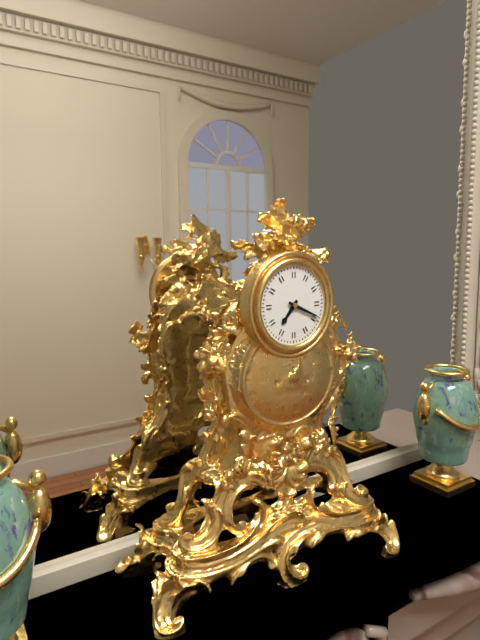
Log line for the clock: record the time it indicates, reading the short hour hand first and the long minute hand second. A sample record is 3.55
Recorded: 7.19
